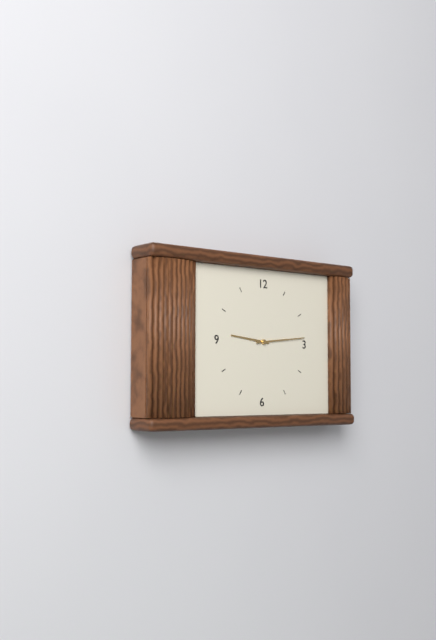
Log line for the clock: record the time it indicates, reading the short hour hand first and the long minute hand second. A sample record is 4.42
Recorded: 9.14
